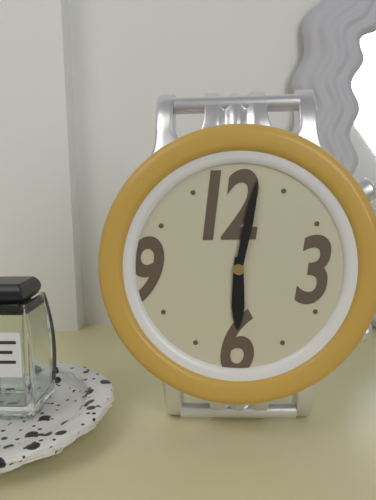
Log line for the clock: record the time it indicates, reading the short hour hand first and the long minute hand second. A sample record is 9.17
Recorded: 6.02
